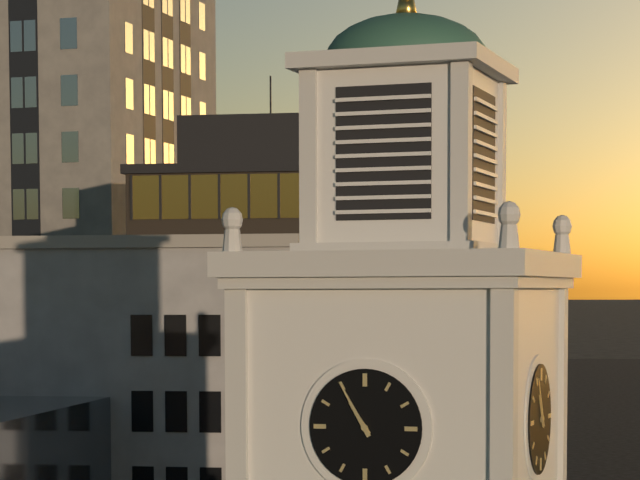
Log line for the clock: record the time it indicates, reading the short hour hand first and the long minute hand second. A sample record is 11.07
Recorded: 10.55
